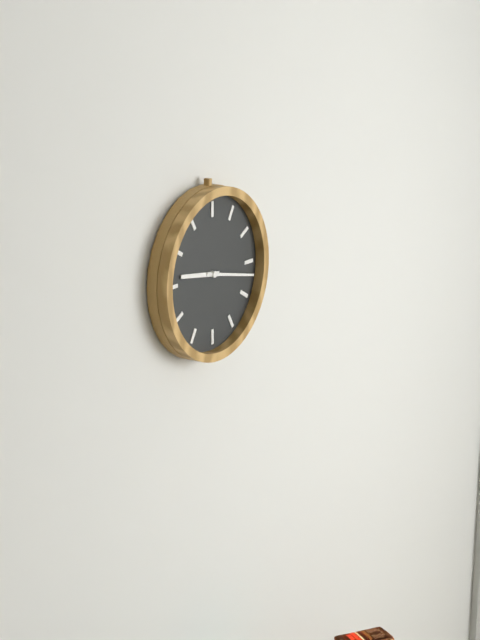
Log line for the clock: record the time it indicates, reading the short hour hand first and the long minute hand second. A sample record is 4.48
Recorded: 9.17
